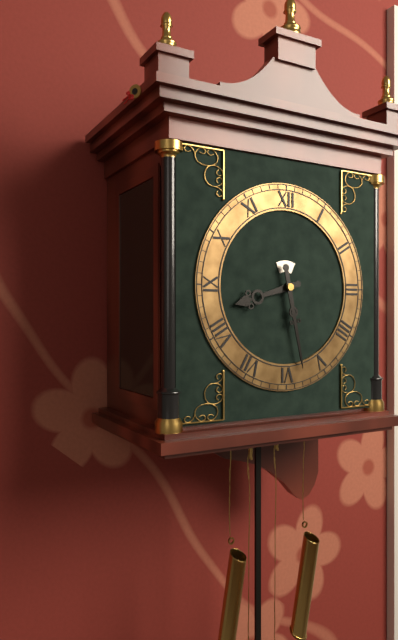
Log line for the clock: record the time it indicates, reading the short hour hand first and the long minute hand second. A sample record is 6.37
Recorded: 8.28
